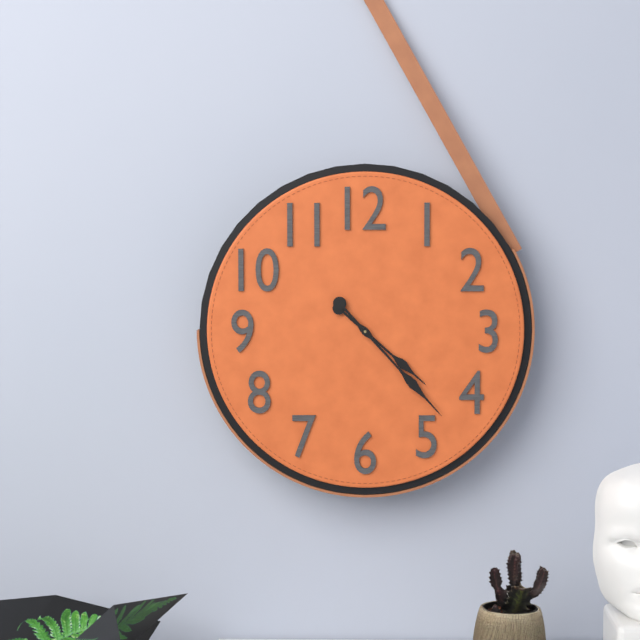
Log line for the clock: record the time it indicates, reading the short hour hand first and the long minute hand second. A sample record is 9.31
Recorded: 4.23
